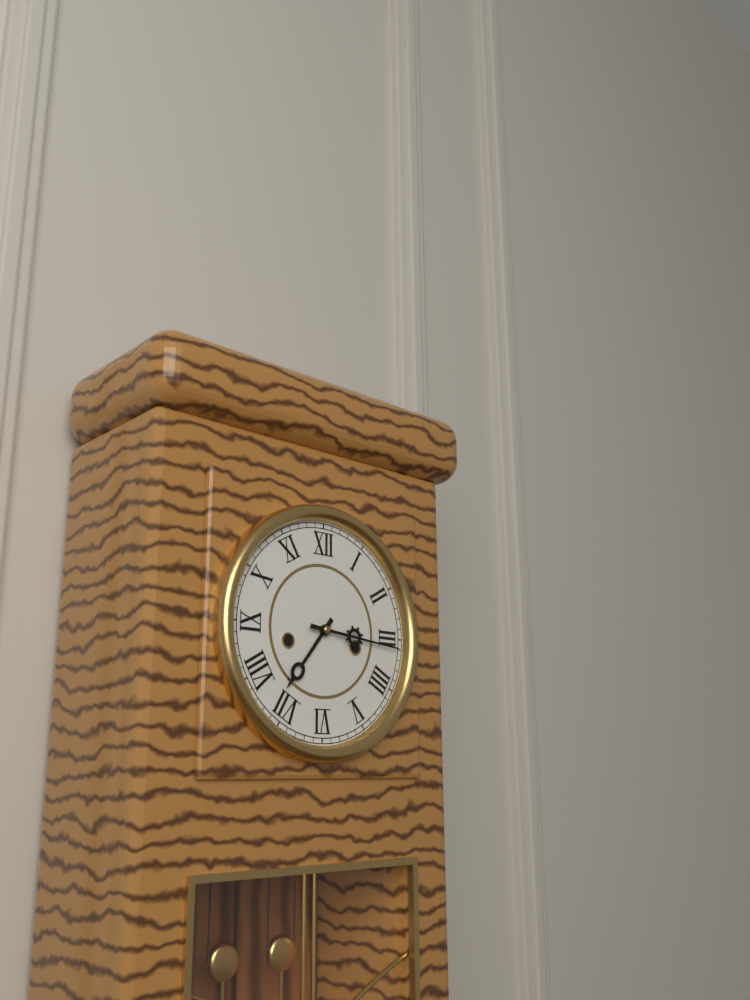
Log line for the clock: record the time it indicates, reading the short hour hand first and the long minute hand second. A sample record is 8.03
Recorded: 7.16
